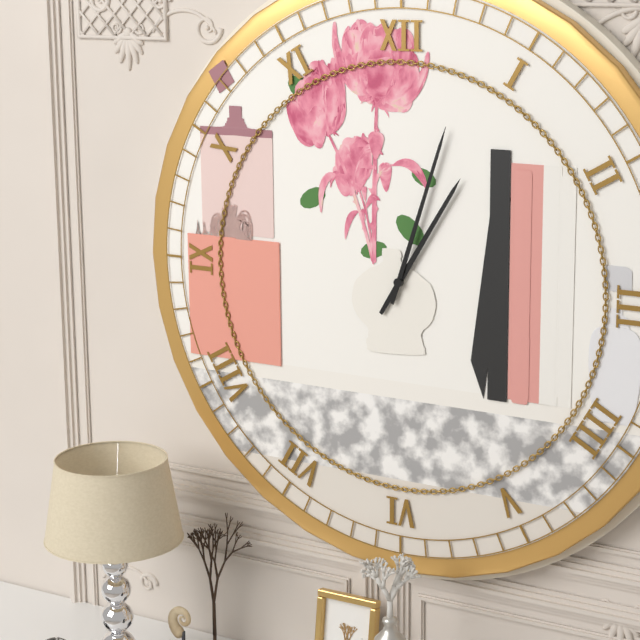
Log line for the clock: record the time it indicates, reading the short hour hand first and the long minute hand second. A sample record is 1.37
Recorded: 1.03
